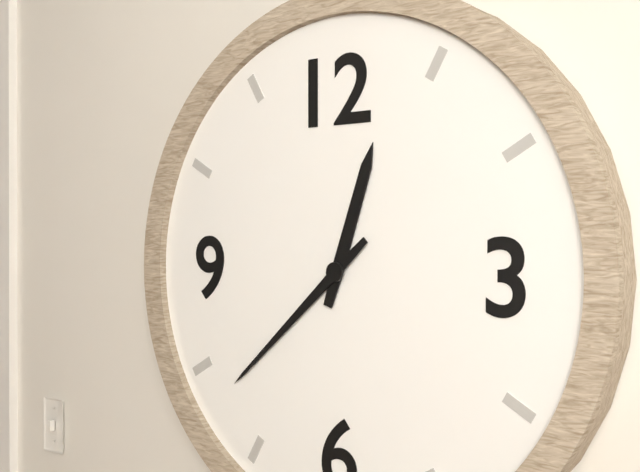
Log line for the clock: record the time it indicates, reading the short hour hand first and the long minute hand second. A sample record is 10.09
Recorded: 12.38
